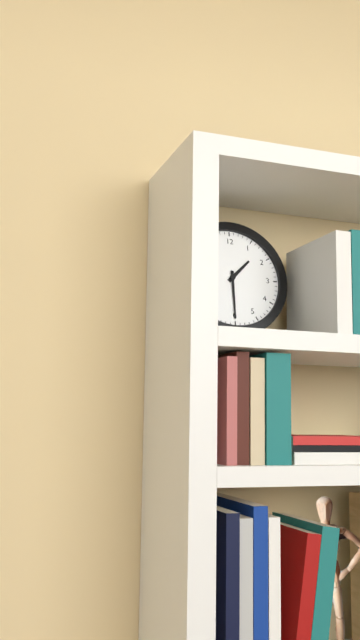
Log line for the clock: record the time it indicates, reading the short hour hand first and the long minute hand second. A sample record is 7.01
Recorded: 1.30
